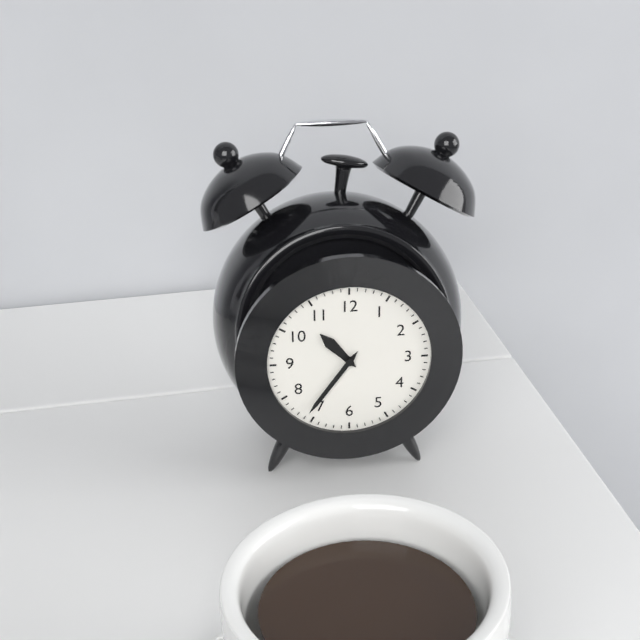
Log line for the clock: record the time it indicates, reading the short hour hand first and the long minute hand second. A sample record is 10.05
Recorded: 10.36
